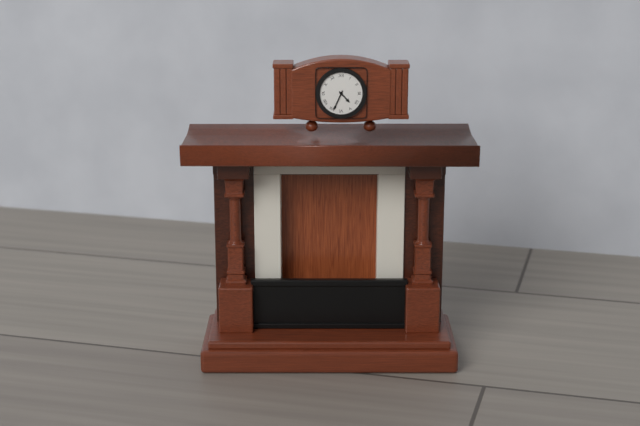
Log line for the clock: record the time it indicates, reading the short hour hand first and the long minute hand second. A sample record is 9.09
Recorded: 4.34
